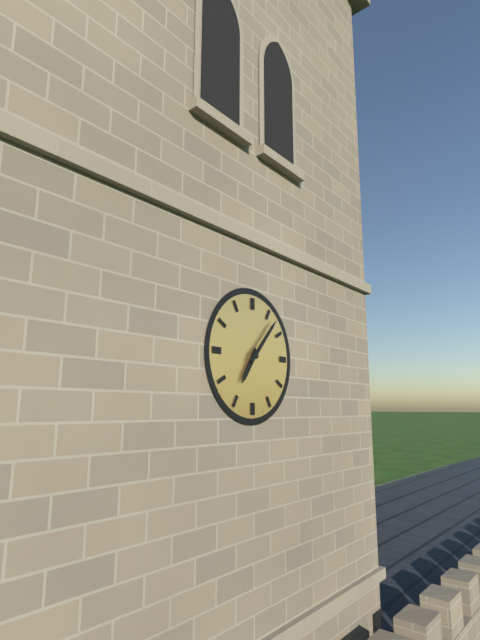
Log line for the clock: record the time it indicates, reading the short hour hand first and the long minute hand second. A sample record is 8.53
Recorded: 7.07
